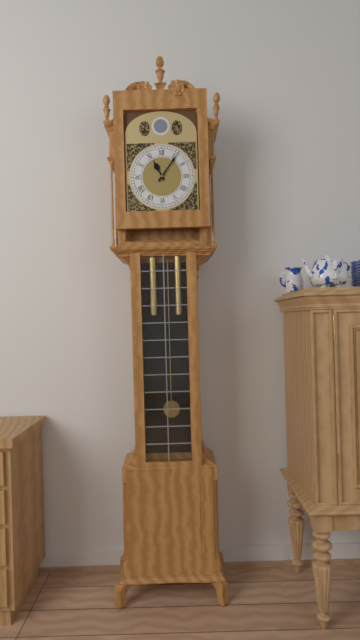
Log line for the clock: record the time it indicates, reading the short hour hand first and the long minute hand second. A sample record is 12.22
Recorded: 11.06
